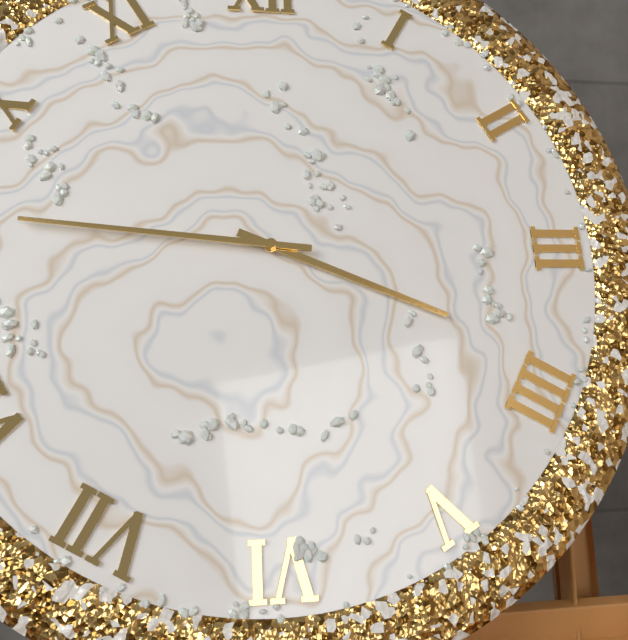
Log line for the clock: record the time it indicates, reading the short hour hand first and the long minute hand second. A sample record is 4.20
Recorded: 3.46
